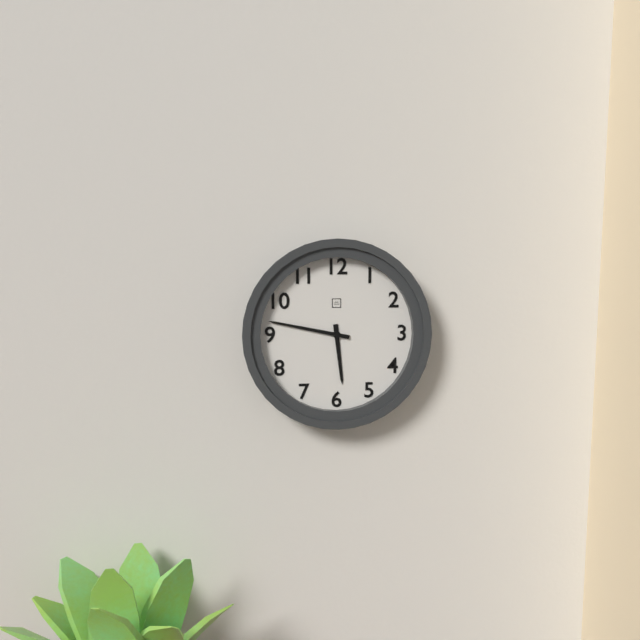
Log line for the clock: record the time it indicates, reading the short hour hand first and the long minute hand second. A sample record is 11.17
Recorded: 5.47
